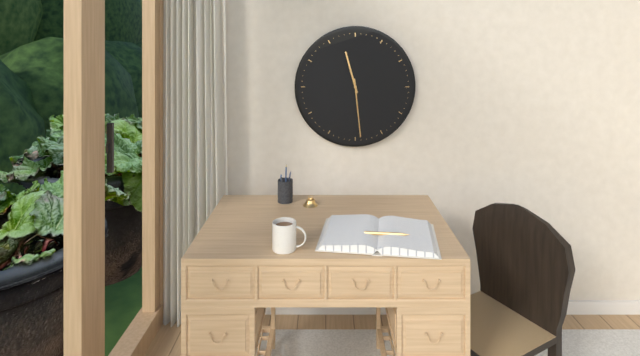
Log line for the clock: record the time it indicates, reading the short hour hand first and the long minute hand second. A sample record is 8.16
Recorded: 11.29
